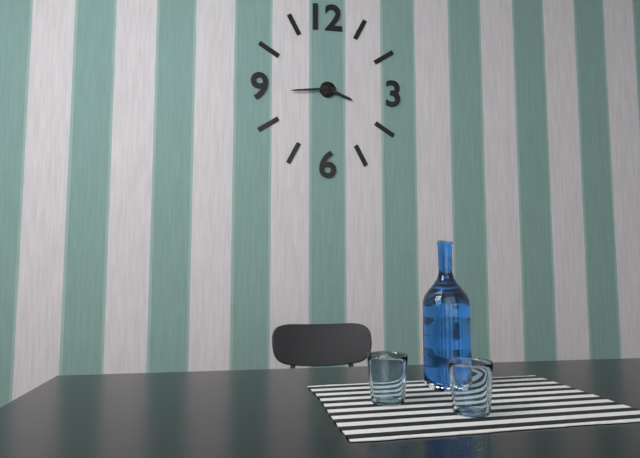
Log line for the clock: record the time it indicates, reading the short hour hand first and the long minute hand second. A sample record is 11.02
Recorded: 3.44
